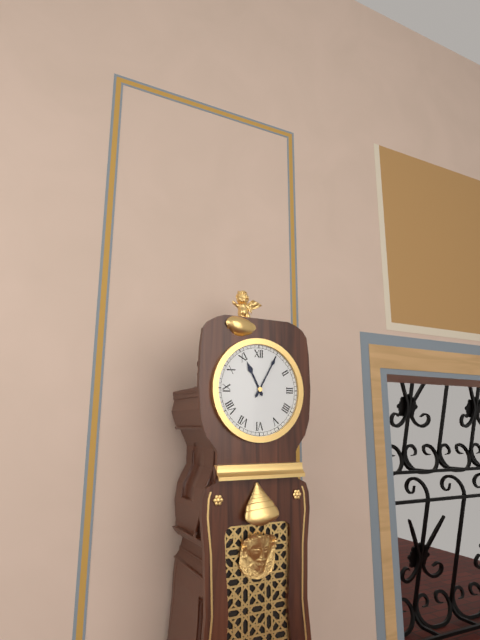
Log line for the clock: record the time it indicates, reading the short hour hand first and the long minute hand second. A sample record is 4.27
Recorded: 11.05
